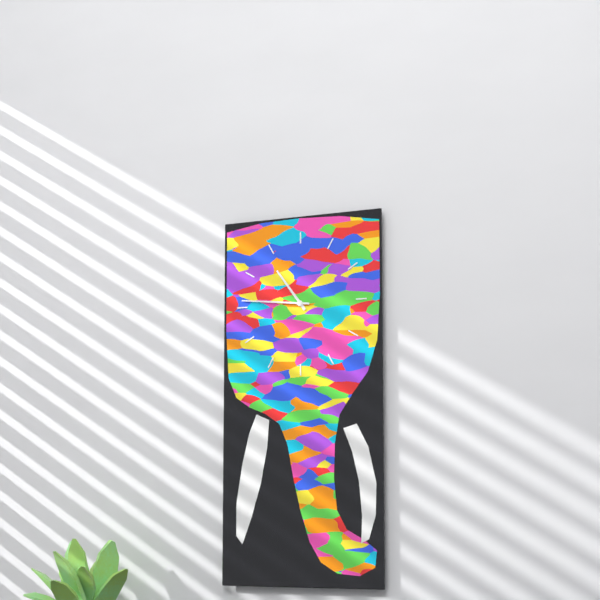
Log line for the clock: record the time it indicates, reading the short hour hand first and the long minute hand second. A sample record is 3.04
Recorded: 10.46
